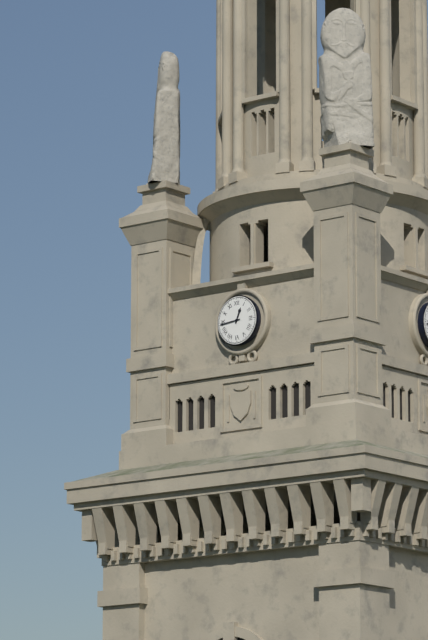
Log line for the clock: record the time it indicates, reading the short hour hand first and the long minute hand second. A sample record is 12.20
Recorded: 12.44
